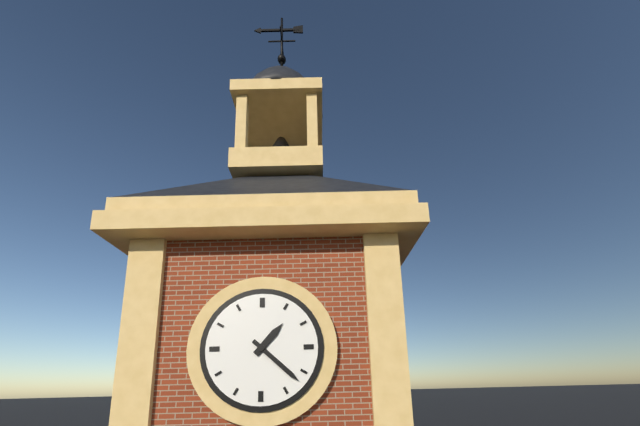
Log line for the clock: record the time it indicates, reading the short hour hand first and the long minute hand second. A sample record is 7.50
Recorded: 1.22
